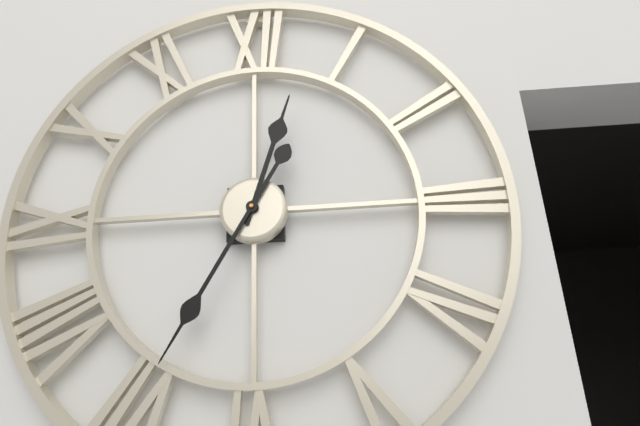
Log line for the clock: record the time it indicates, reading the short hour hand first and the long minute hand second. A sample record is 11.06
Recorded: 12.35
